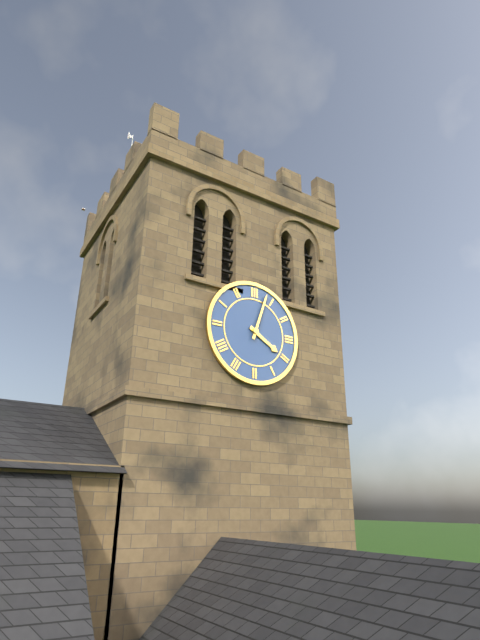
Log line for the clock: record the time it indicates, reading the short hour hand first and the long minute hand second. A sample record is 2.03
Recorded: 4.03
